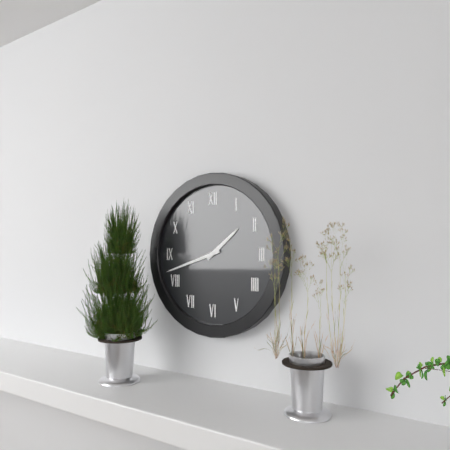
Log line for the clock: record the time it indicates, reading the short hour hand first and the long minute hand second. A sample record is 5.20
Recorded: 1.42
